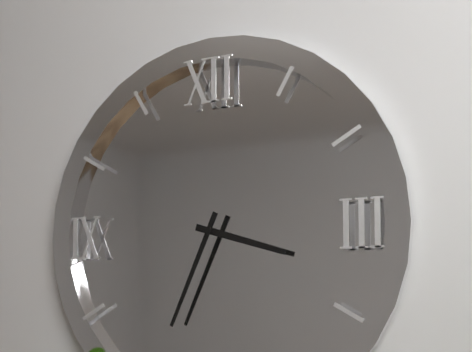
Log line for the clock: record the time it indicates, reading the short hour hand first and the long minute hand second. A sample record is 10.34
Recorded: 3.34
